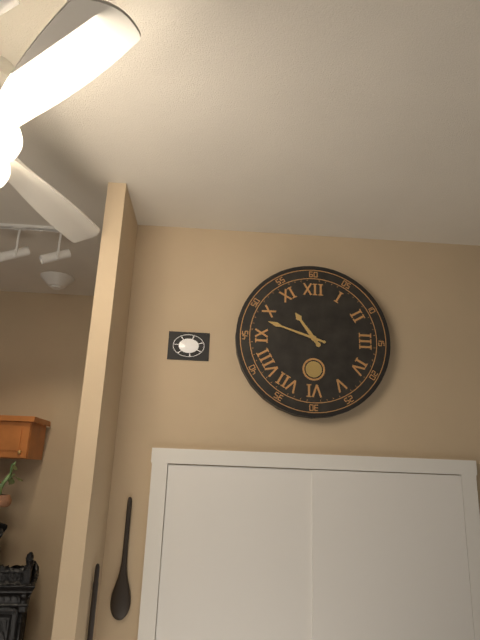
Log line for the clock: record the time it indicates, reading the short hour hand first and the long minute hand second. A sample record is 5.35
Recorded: 10.48
